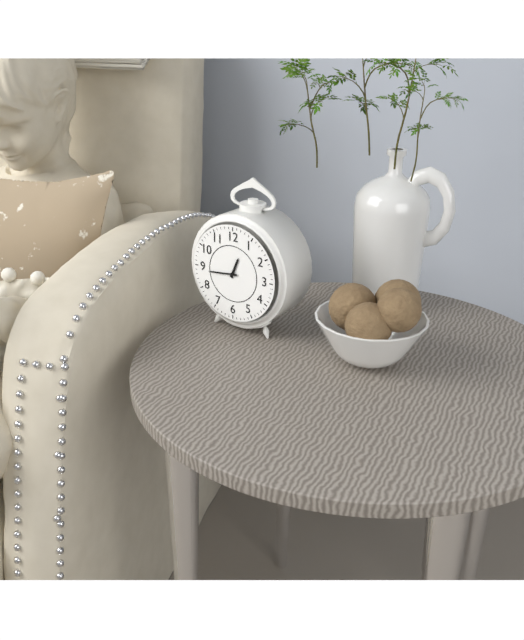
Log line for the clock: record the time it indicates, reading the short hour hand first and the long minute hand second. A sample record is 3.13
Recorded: 12.44
